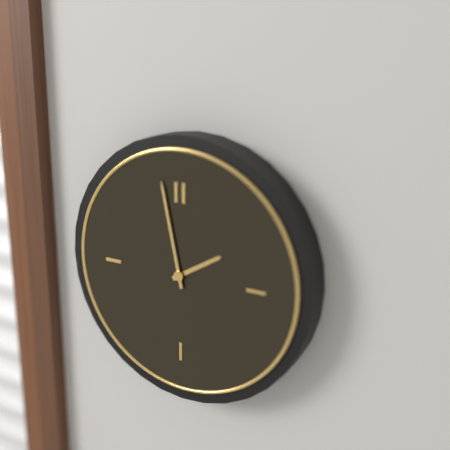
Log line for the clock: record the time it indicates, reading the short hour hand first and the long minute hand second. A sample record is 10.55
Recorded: 1.58
